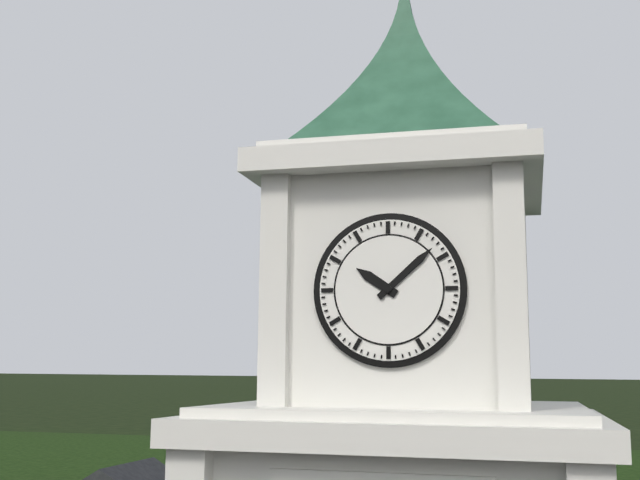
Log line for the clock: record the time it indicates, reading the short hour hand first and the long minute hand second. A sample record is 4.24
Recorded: 10.08
